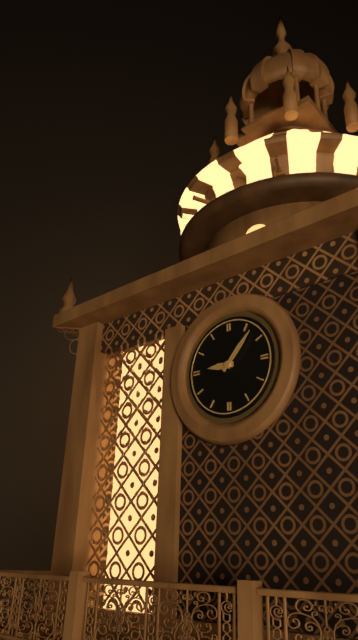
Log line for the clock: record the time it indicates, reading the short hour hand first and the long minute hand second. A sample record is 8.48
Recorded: 9.07
